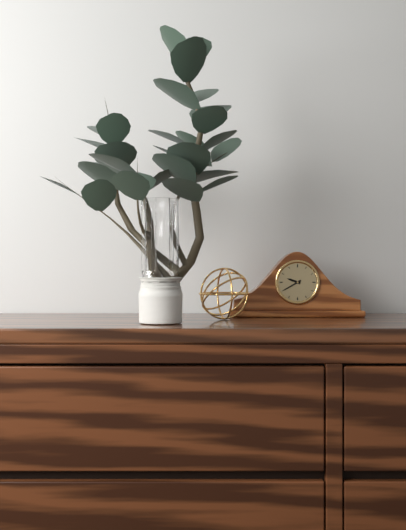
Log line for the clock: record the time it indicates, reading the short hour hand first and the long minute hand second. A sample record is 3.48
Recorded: 9.40
